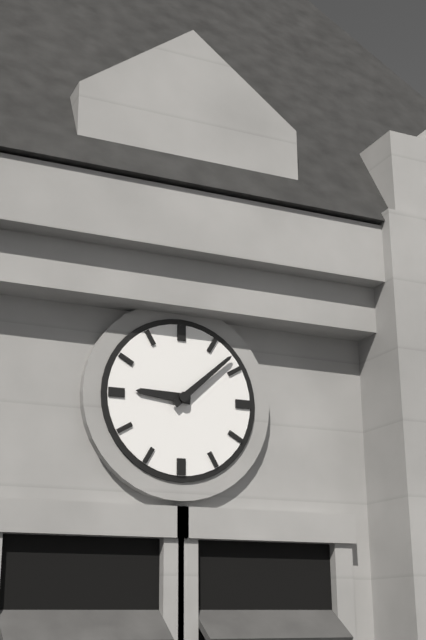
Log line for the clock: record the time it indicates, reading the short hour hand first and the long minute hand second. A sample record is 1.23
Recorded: 9.08
